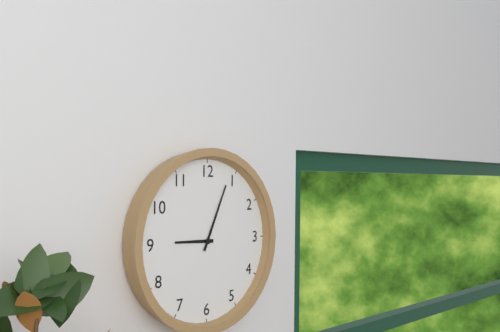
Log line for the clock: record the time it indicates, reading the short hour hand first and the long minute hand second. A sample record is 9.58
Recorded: 9.04
